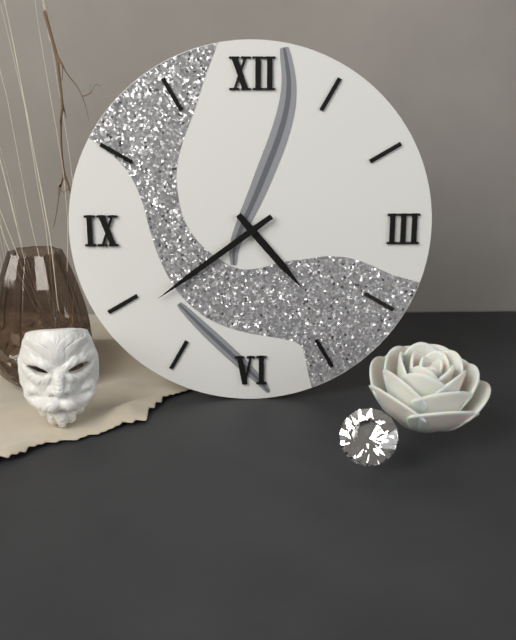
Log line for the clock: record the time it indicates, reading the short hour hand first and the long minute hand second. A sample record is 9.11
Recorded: 4.39
